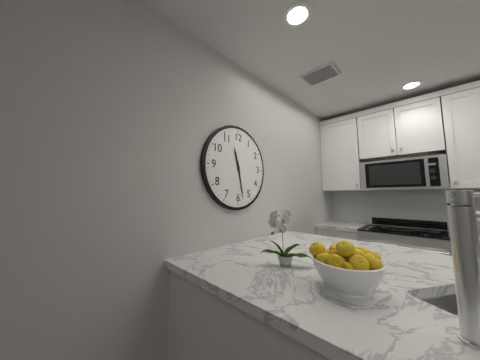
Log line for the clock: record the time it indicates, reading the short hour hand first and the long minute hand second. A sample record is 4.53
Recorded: 11.28
